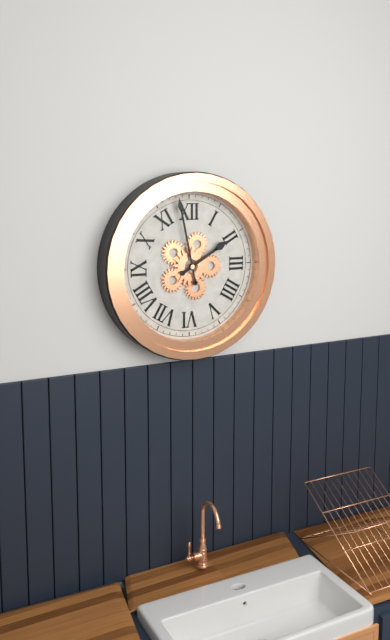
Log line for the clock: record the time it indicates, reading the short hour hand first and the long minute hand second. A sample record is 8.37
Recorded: 1.58
